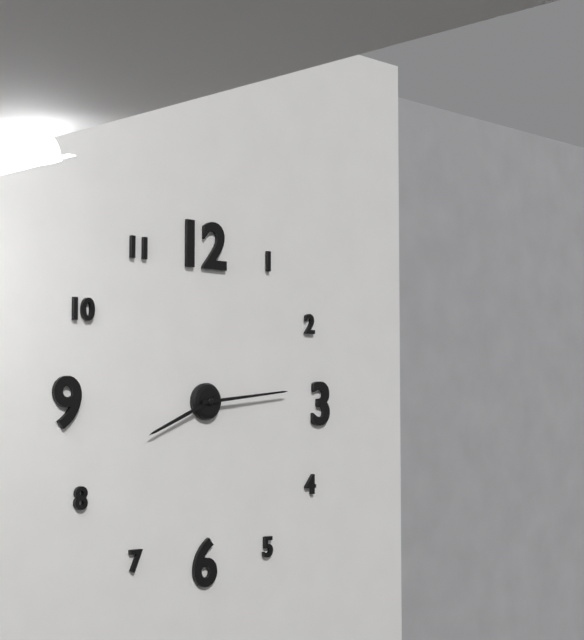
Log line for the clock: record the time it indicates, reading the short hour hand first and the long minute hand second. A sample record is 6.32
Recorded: 8.14
